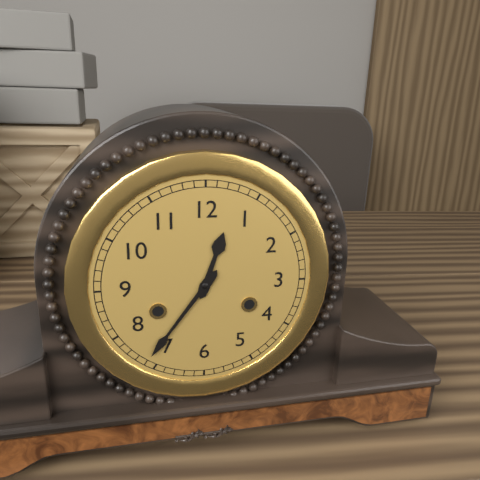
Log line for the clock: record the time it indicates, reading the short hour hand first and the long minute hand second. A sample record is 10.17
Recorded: 12.36
